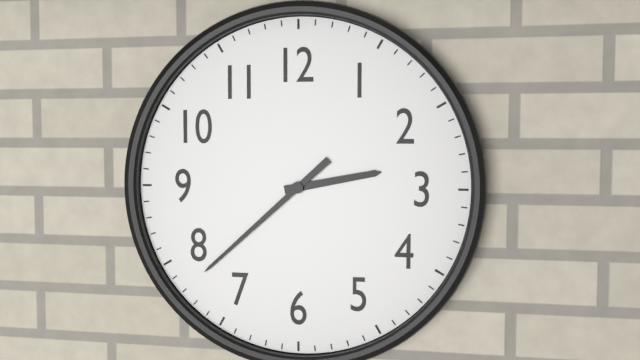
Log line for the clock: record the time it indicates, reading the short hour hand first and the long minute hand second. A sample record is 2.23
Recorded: 2.38
